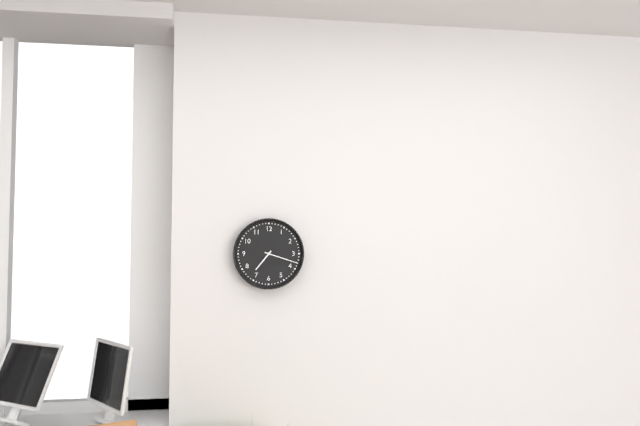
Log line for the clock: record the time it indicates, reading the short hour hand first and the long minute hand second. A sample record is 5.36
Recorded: 7.18
